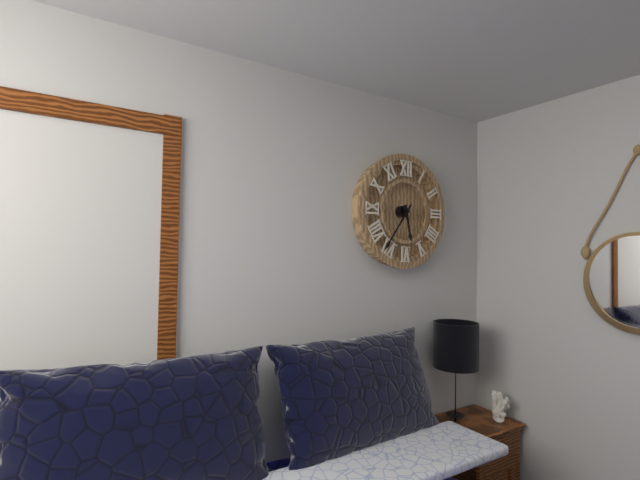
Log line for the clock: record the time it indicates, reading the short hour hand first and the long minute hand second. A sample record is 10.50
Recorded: 5.36
